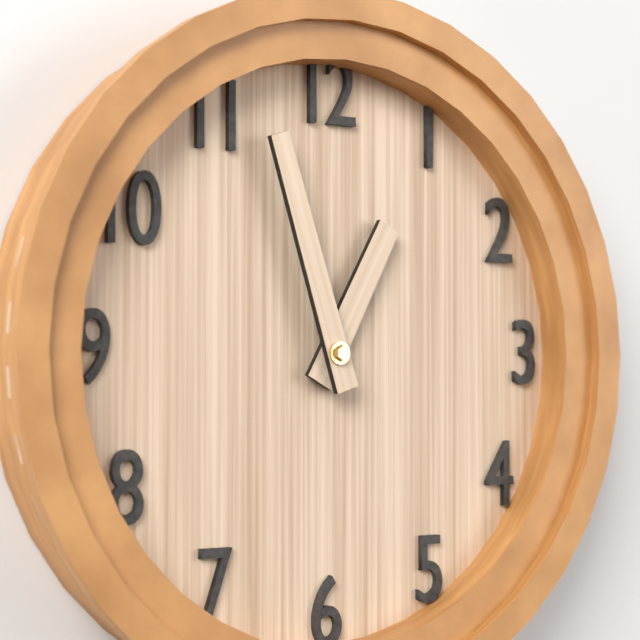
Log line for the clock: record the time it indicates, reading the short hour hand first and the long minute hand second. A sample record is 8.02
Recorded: 12.57
